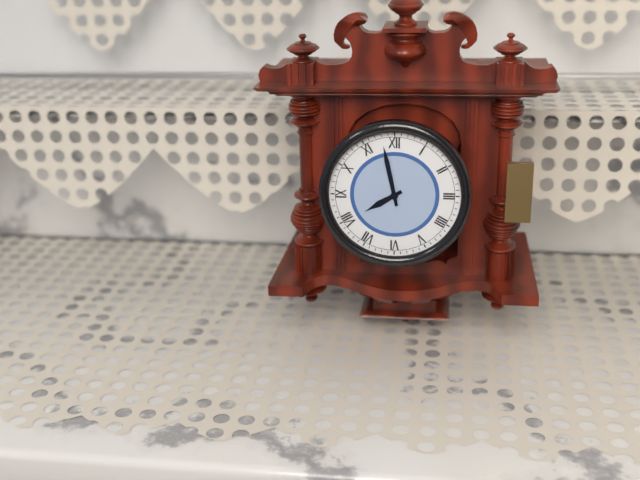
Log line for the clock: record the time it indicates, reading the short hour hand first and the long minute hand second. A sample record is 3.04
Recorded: 7.58
